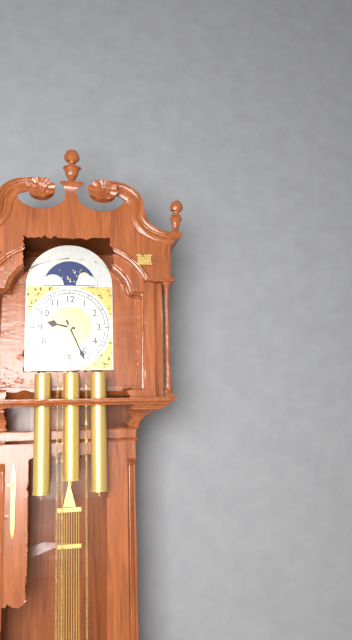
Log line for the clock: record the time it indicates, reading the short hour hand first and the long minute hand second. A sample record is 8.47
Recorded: 9.26
